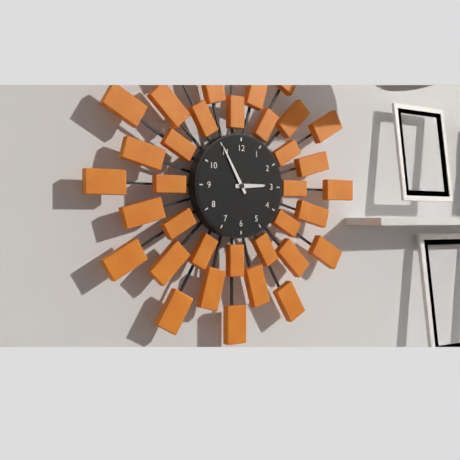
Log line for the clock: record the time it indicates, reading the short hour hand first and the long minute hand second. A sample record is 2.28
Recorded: 2.55
